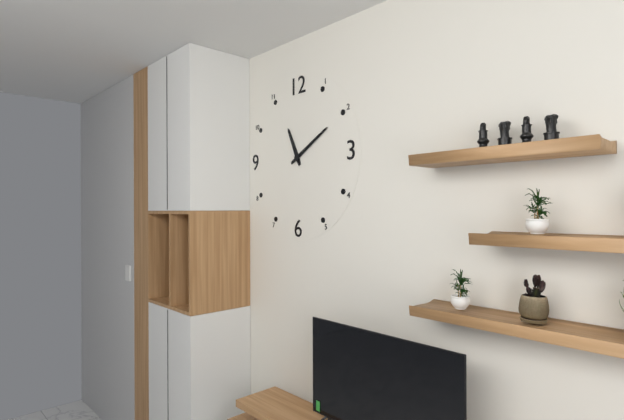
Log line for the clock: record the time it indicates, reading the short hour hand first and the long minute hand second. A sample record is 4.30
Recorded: 11.10
